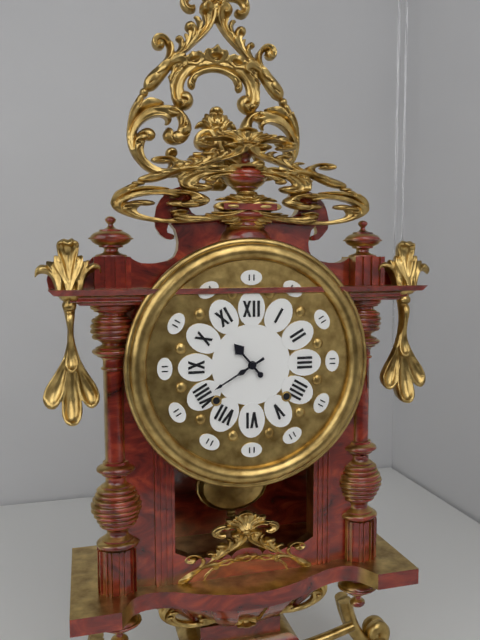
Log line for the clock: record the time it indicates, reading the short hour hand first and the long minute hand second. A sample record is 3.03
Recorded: 10.40
